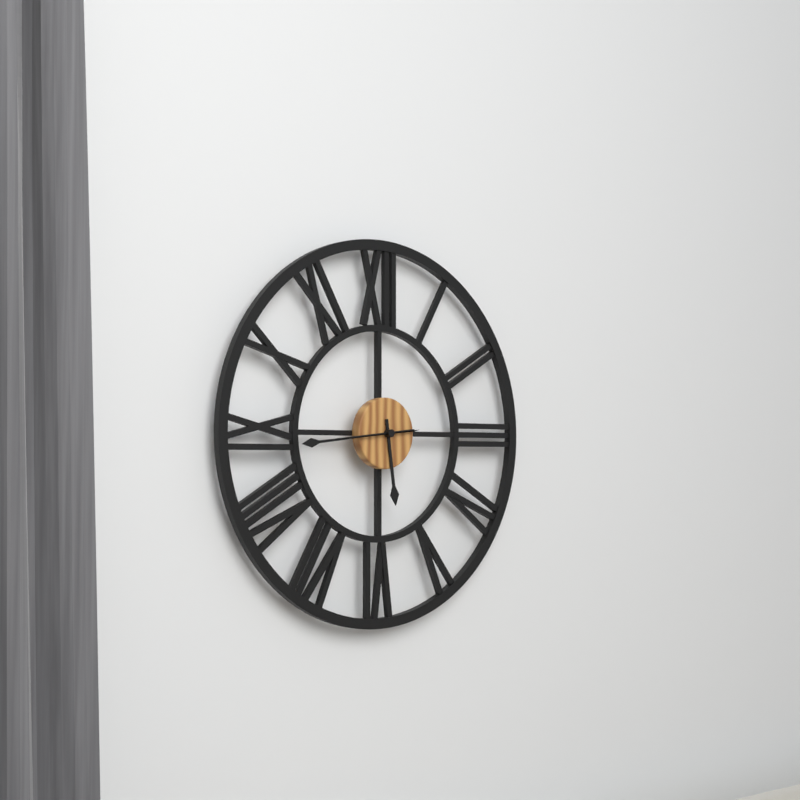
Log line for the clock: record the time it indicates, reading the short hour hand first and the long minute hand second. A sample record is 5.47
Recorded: 5.44
